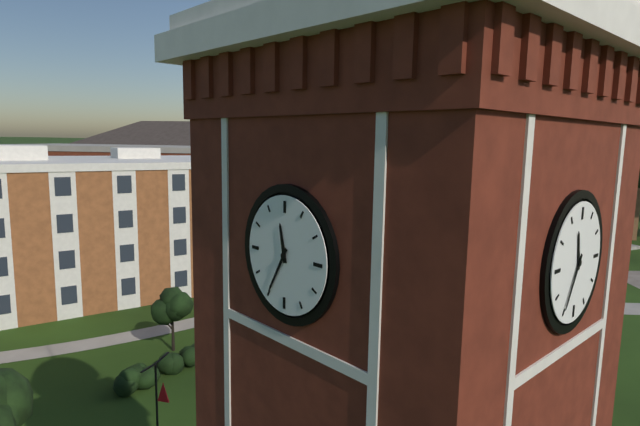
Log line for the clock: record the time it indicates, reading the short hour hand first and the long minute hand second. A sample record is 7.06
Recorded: 11.35
